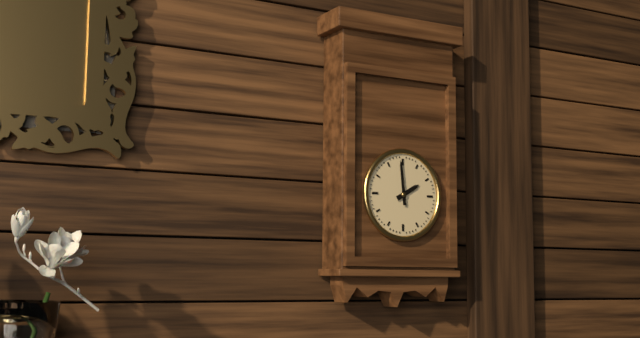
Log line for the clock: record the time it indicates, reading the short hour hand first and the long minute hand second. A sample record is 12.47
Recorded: 1.59
